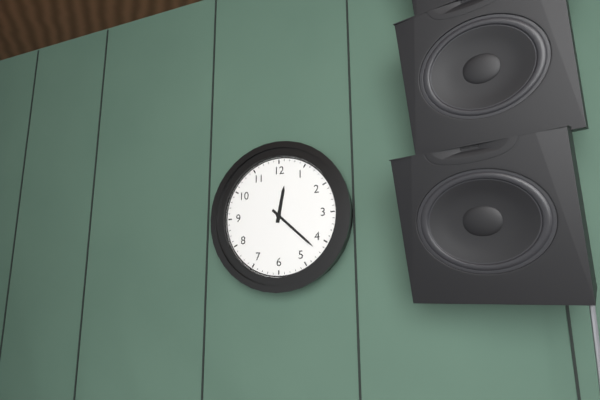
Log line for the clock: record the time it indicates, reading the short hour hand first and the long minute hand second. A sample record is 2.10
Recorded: 12.22
